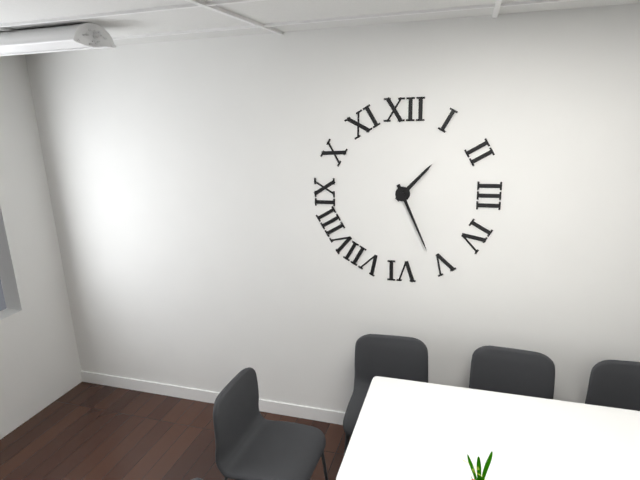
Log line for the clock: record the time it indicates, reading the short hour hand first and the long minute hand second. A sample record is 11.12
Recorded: 1.26
